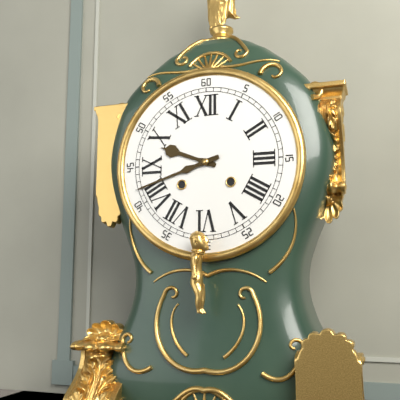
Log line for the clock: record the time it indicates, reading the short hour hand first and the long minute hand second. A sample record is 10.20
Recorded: 9.42
